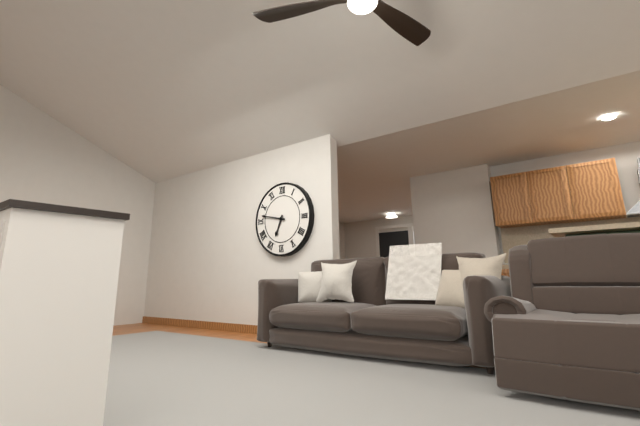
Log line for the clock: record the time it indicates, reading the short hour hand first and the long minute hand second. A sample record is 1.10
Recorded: 6.47
